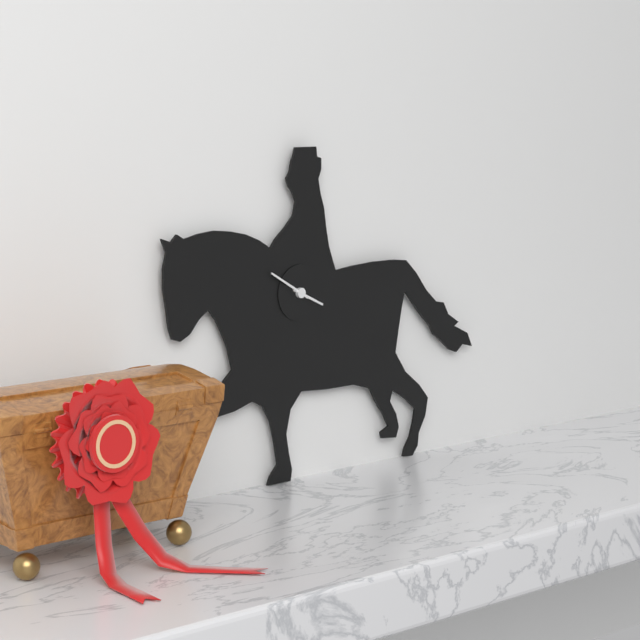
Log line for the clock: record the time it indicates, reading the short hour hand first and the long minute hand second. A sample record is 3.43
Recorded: 3.50
